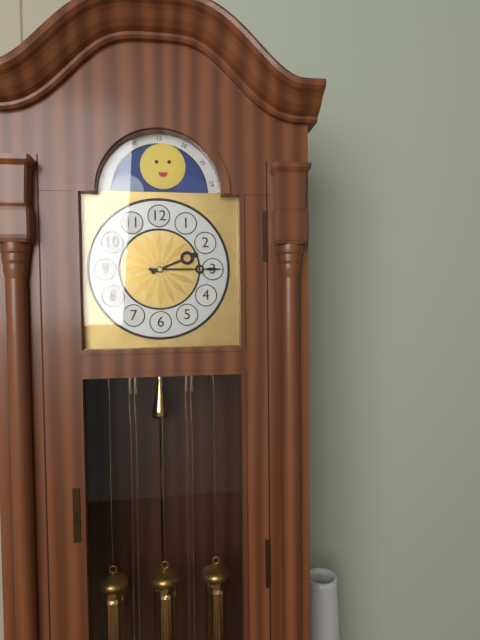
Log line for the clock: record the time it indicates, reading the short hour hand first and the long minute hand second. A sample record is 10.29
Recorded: 2.15
